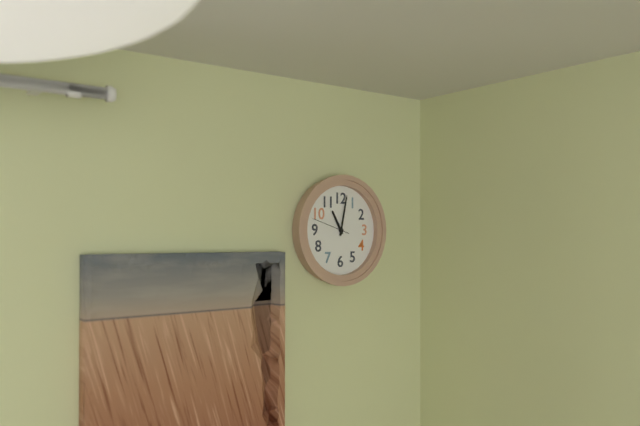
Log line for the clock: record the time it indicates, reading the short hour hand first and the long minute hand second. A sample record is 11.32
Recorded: 11.02
